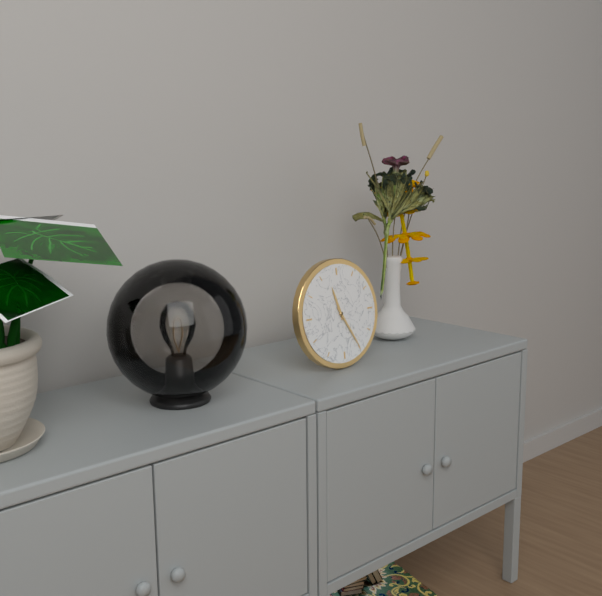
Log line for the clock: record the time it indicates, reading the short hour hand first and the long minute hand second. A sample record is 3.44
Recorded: 11.25
